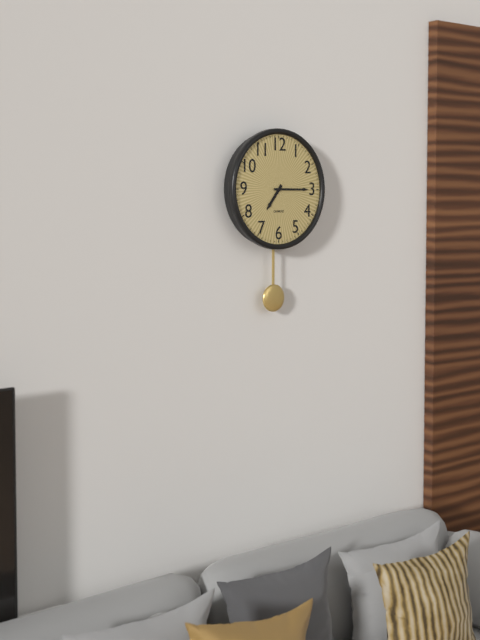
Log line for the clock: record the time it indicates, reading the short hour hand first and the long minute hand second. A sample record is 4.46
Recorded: 7.15
